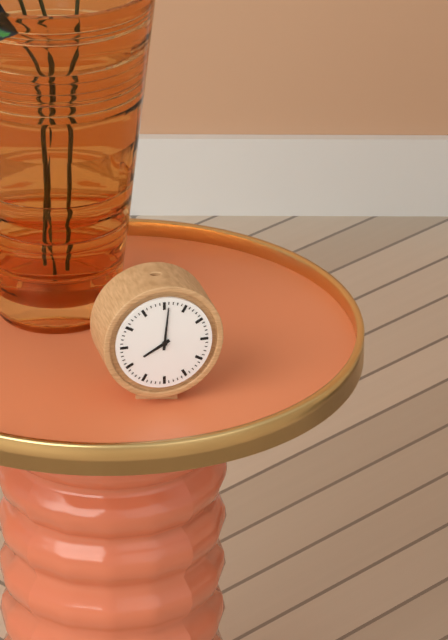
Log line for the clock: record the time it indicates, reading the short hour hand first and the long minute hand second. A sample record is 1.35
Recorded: 8.01
